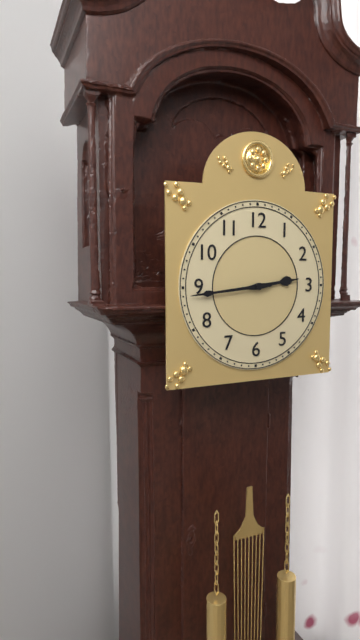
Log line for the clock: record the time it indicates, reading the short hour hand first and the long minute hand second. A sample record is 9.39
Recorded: 2.44
